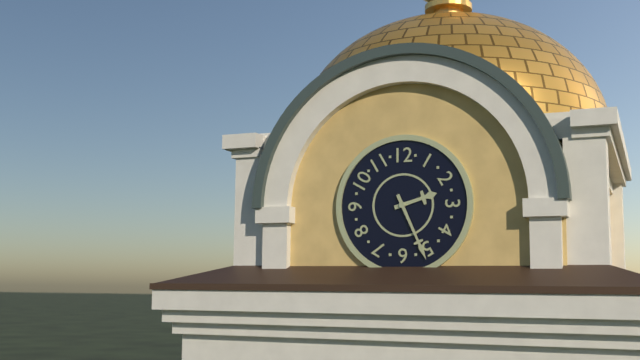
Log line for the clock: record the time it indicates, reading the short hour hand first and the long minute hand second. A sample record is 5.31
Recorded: 2.26
